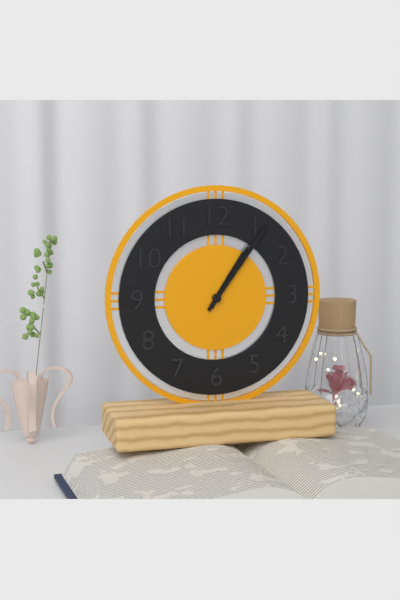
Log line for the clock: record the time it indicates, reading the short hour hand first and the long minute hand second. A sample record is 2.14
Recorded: 1.06
